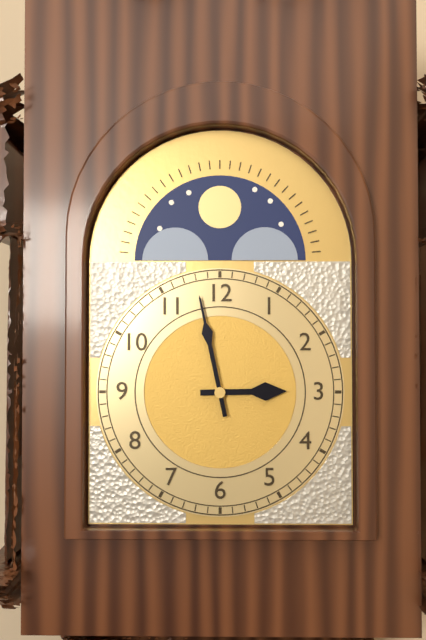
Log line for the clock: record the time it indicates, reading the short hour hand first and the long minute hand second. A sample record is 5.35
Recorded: 2.58
